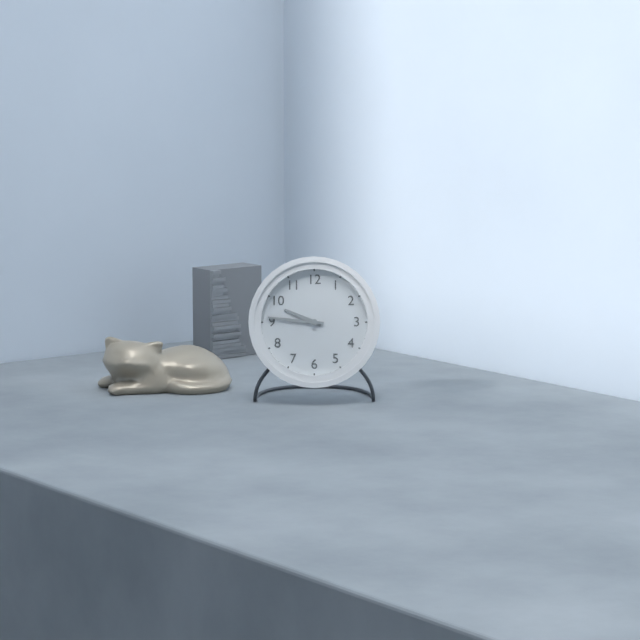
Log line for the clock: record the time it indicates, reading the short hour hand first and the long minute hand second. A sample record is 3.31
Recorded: 9.46
